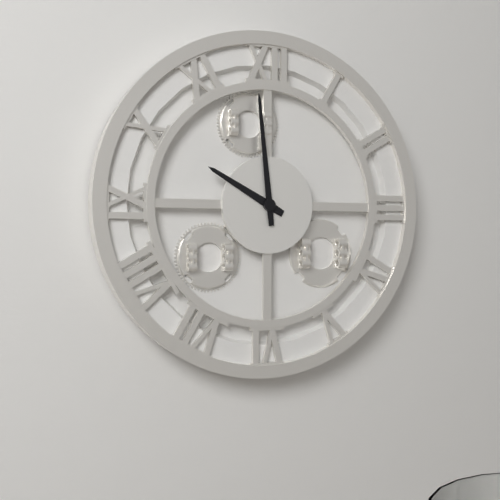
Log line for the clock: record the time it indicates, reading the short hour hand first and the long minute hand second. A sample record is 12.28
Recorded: 9.59
